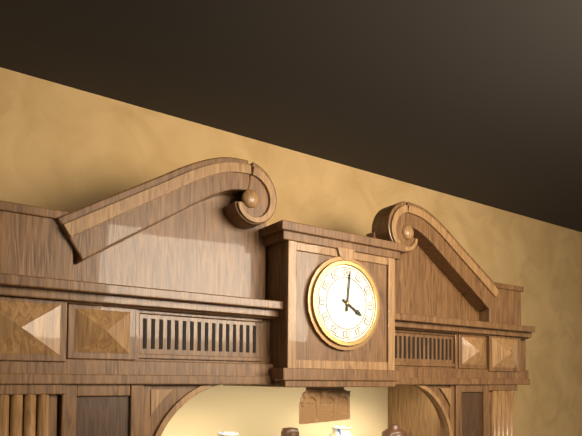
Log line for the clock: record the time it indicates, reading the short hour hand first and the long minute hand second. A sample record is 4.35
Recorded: 4.01
